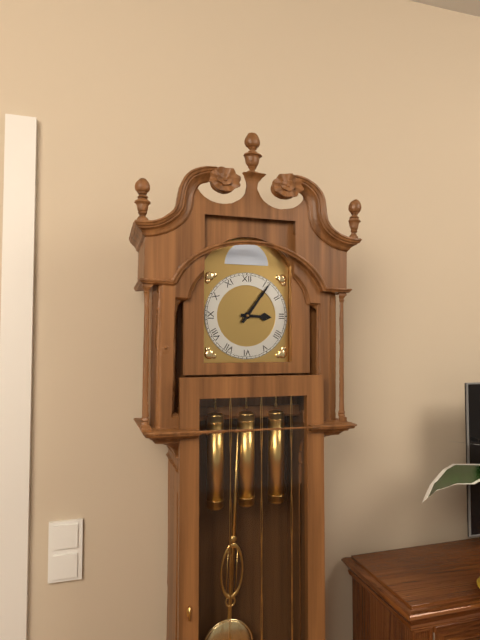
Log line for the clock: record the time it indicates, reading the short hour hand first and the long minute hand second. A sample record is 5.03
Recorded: 3.06
